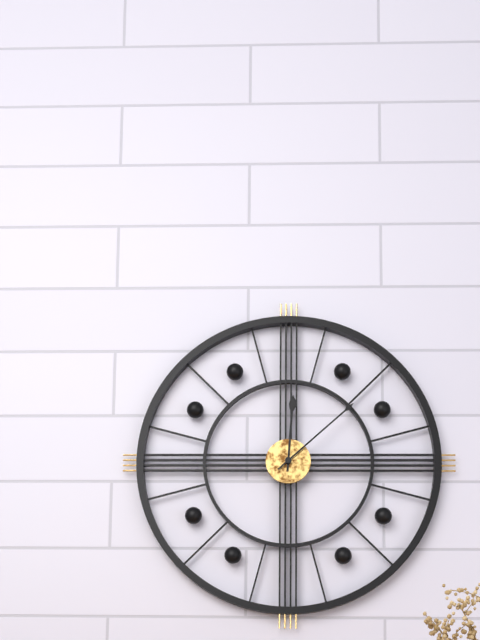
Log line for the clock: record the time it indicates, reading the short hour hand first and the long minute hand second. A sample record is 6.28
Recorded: 12.08
